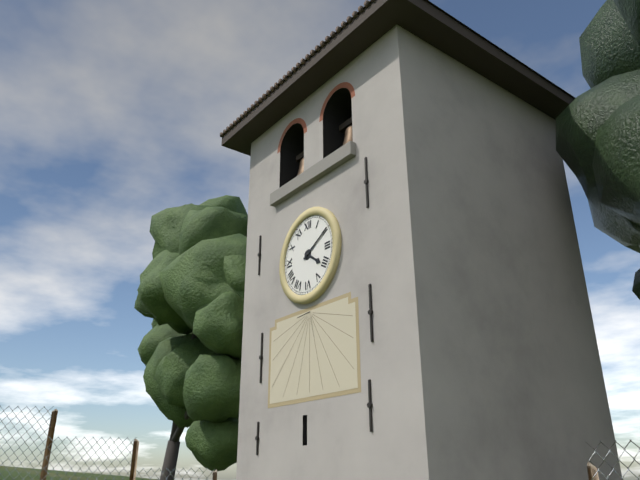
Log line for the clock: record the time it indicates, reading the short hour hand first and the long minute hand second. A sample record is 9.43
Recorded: 4.10
